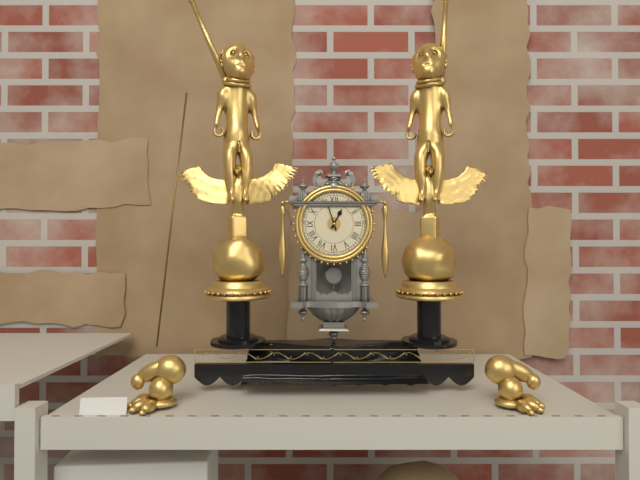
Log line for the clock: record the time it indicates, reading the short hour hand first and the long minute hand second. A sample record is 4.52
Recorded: 12.57
